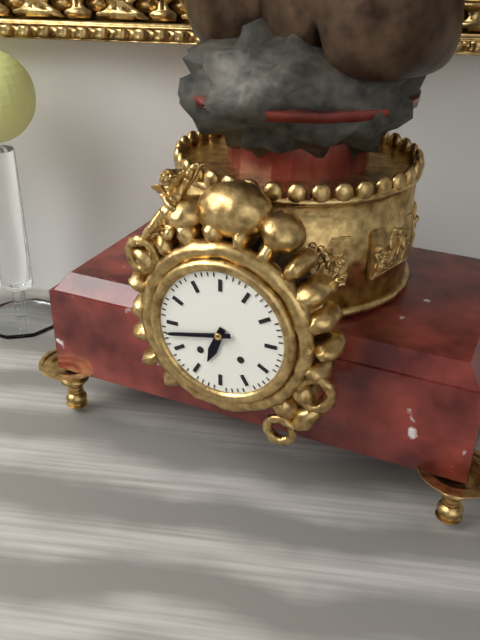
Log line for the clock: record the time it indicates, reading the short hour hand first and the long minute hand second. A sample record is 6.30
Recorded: 6.43
